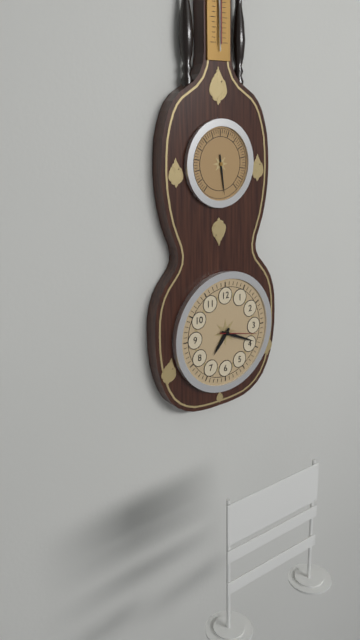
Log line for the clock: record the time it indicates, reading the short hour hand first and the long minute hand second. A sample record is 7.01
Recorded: 7.19
